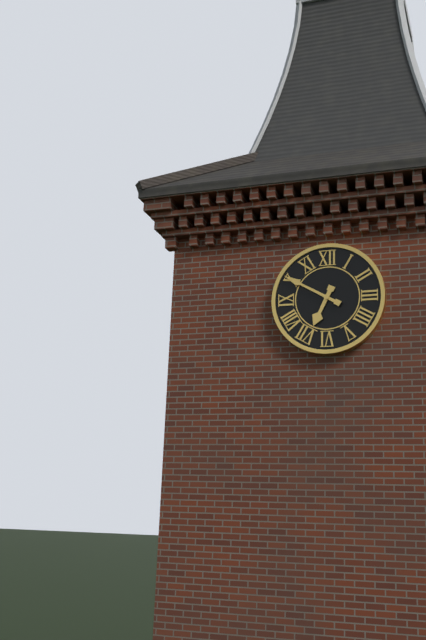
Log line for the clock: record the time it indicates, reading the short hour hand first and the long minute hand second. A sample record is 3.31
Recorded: 6.50
